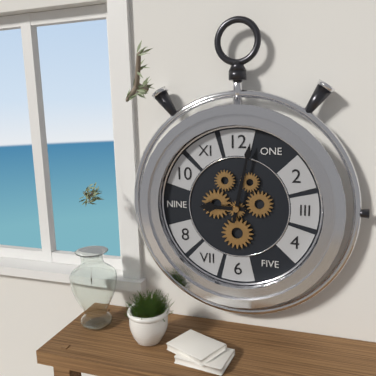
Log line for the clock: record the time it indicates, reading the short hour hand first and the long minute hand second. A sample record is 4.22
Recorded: 9.02
